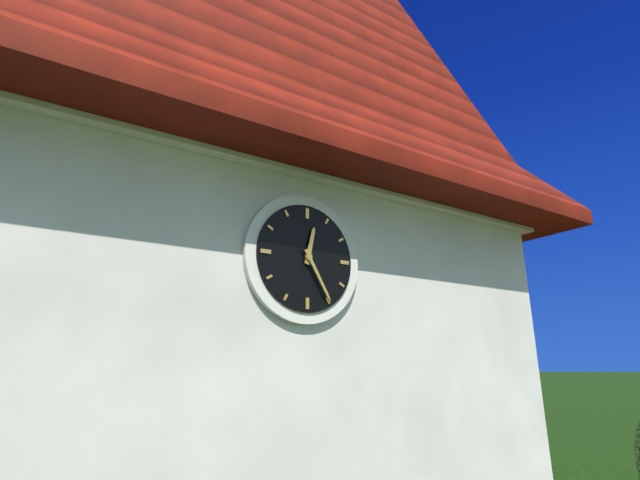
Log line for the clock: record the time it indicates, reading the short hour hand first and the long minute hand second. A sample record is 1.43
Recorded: 12.25
